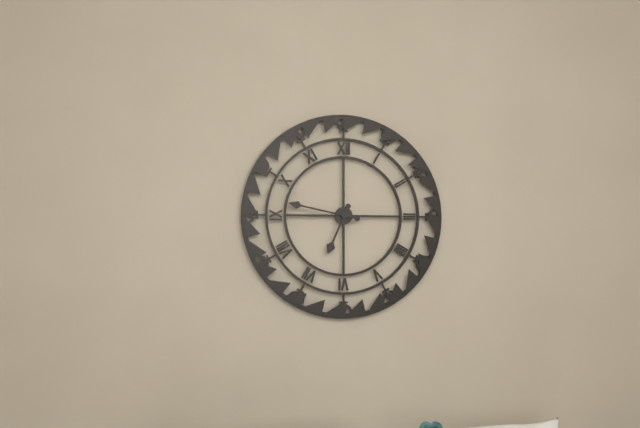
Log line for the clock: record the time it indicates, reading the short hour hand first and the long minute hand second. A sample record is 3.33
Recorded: 6.47
